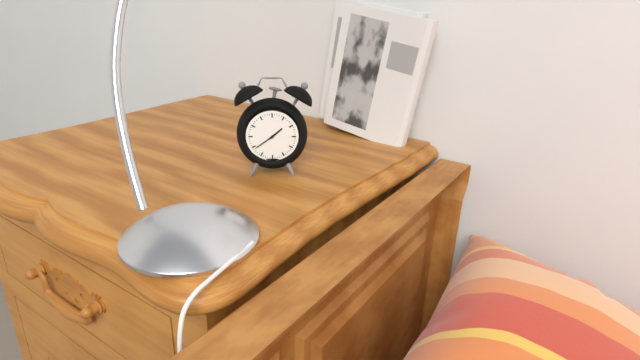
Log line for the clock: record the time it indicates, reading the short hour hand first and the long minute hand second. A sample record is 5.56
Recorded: 1.39
